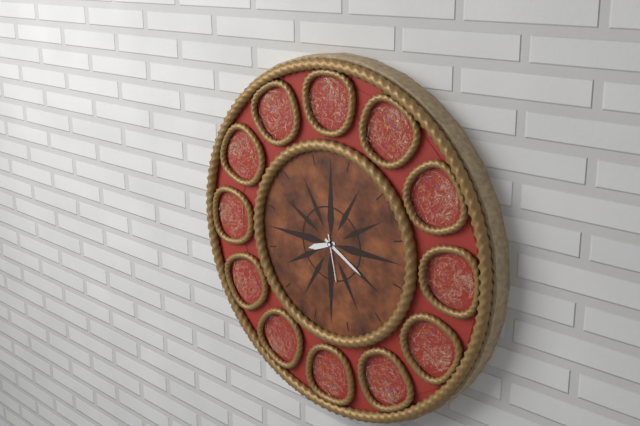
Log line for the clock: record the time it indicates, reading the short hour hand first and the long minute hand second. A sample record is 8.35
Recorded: 8.20
